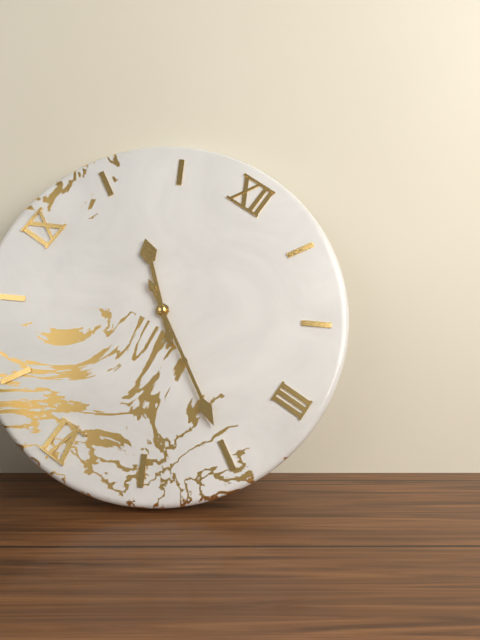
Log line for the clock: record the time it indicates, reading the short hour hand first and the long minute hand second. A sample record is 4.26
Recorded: 10.20
